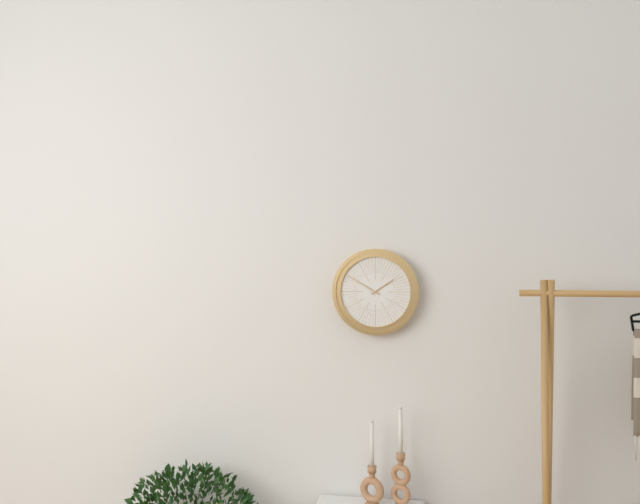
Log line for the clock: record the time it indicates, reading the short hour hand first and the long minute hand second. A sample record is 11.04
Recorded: 1.50
